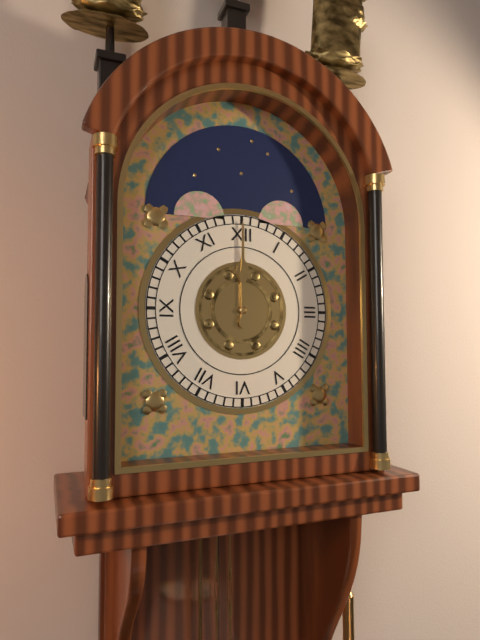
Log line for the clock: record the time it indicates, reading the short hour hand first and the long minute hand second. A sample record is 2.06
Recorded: 12.00
